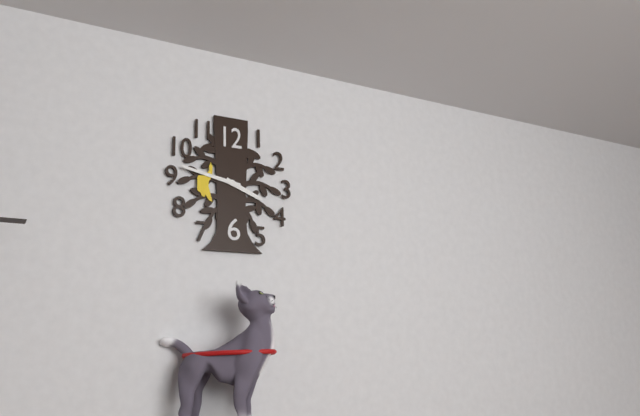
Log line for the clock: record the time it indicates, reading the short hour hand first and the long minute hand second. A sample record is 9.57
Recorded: 3.47
